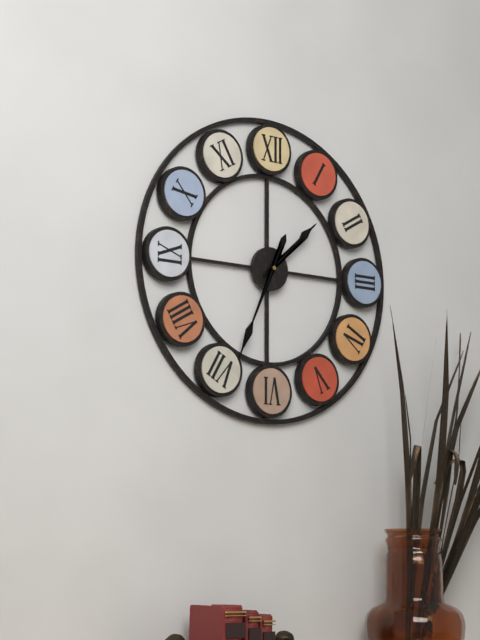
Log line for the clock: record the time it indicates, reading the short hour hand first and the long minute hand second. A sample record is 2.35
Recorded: 1.34
